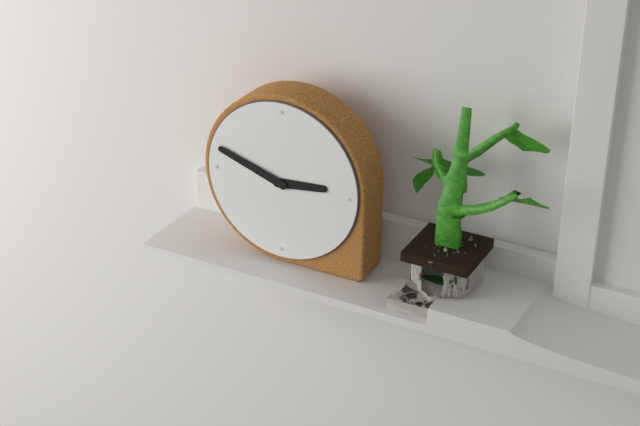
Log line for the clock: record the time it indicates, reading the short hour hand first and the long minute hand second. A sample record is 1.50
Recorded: 2.48
